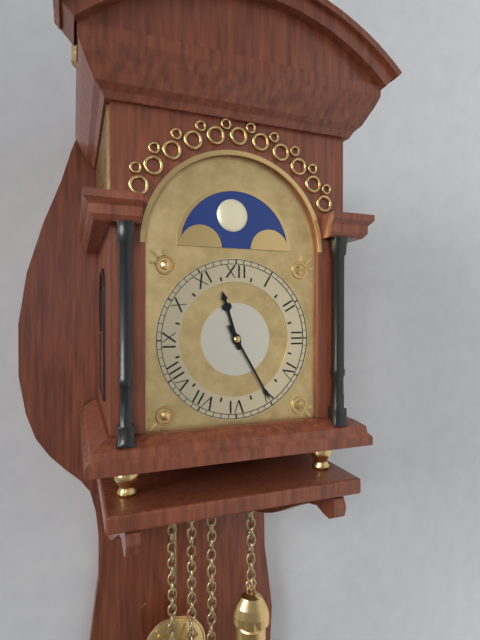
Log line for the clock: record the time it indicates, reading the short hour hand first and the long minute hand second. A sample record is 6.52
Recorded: 11.25
